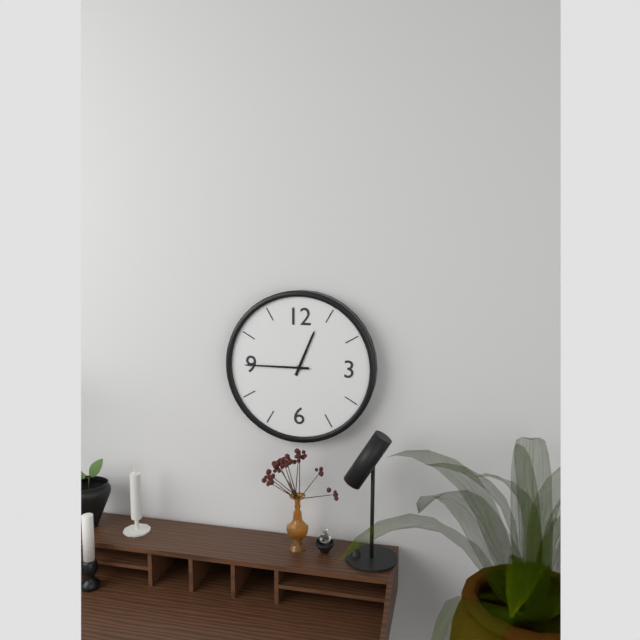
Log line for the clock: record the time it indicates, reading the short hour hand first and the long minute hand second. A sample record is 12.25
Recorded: 12.45
